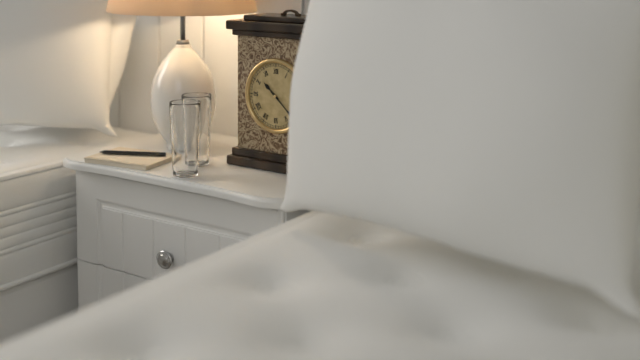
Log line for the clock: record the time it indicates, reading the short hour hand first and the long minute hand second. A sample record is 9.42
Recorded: 10.22
